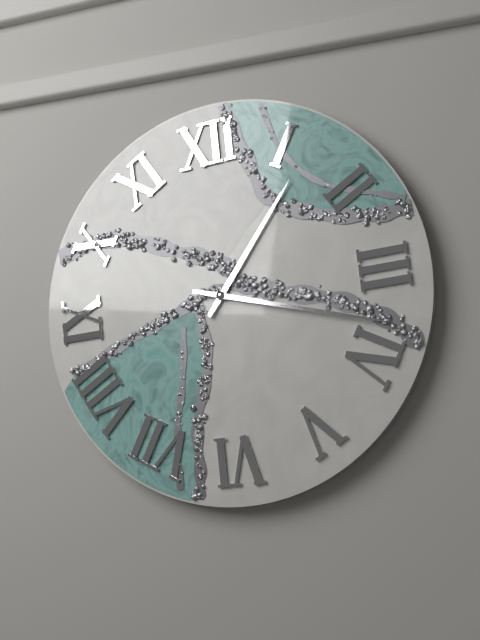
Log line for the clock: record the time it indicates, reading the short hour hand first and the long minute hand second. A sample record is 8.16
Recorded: 1.18
